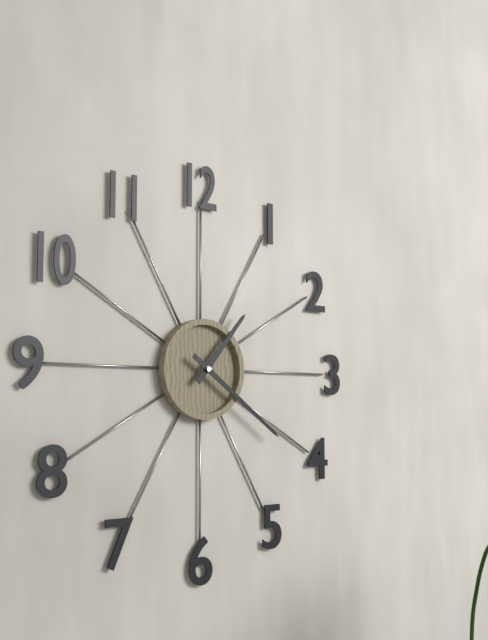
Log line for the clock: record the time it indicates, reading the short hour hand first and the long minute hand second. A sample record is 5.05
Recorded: 1.21
